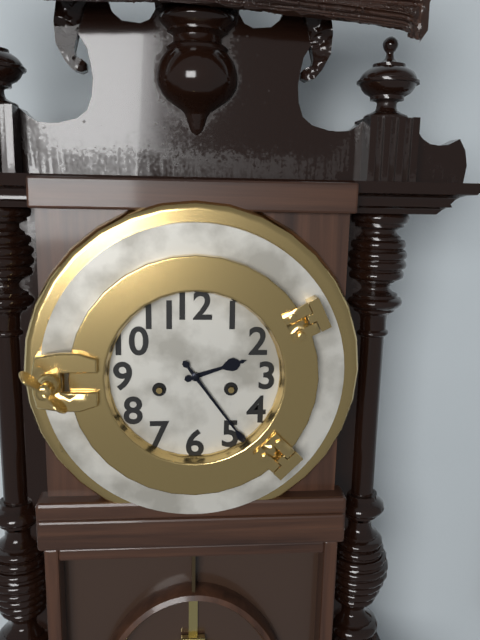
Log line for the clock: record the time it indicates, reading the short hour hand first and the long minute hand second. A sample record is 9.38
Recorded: 2.24
